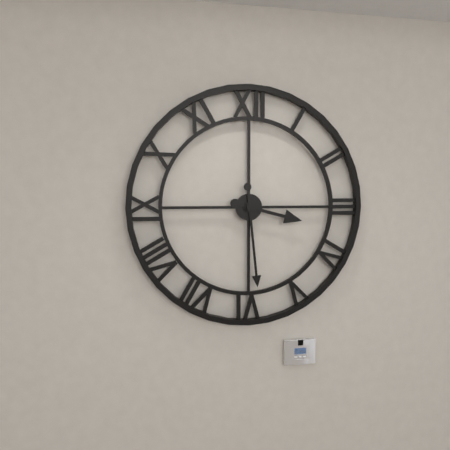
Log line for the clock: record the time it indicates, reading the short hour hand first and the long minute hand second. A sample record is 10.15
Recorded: 3.29
